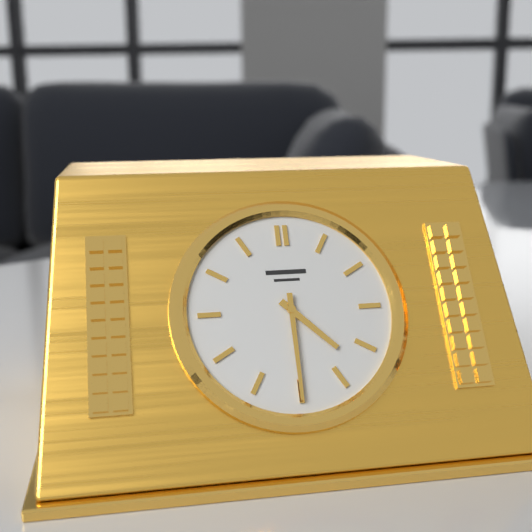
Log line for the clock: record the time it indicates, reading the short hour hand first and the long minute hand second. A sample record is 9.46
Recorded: 4.30
